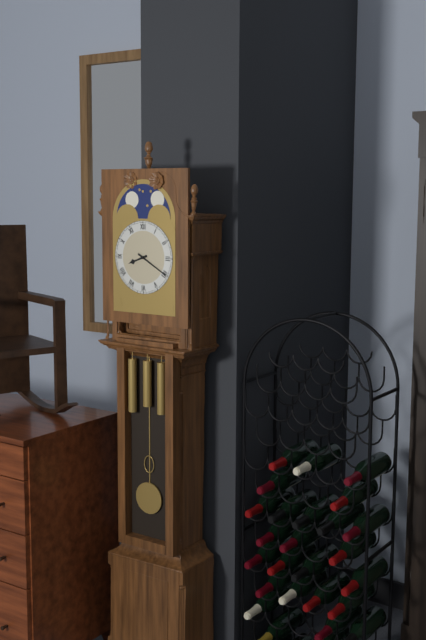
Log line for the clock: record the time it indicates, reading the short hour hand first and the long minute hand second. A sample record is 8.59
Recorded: 8.20
